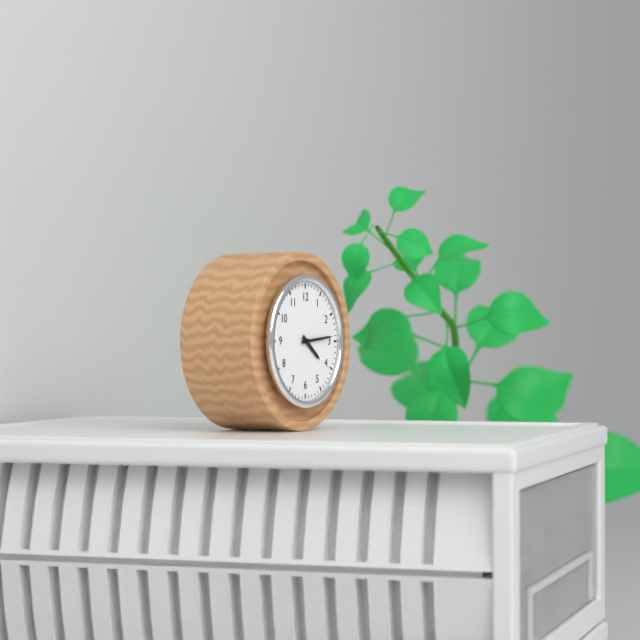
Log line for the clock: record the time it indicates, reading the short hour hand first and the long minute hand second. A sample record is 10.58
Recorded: 4.14
